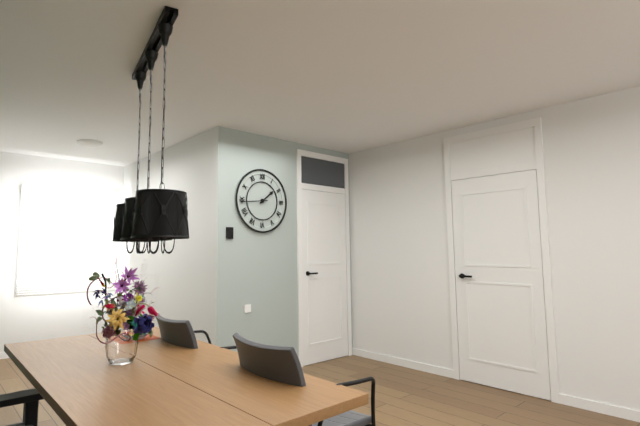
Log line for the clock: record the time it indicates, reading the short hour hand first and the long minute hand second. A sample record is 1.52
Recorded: 1.44
